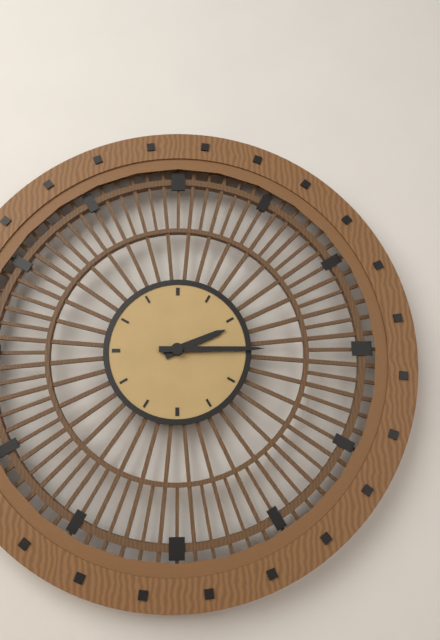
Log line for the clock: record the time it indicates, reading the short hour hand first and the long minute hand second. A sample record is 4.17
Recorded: 2.15
